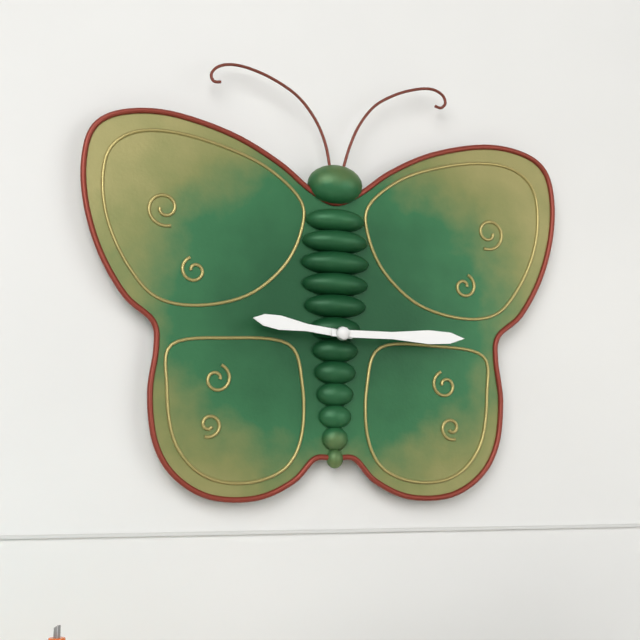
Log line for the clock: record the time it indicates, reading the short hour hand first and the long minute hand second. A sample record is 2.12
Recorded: 9.15
